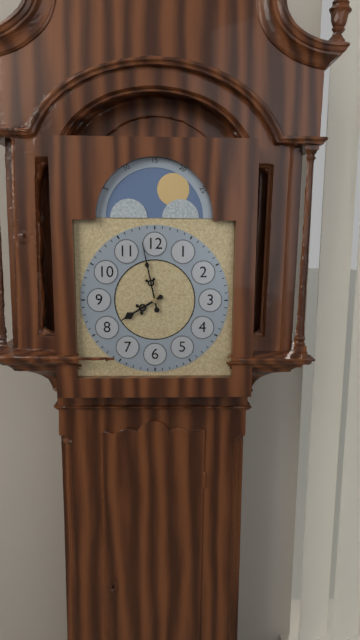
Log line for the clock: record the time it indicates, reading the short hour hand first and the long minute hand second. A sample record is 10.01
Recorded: 7.58
